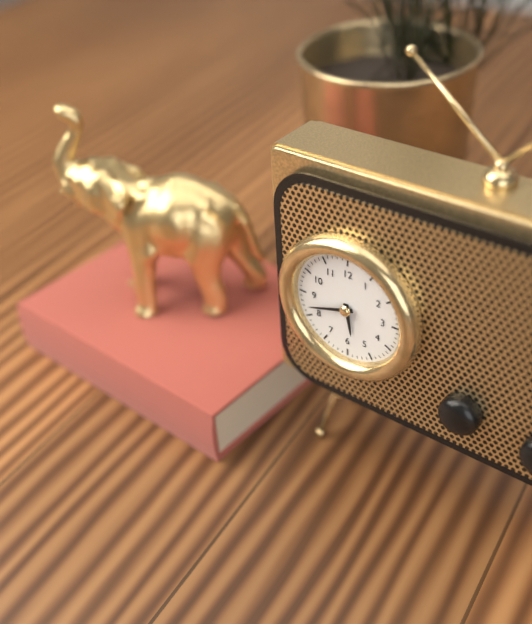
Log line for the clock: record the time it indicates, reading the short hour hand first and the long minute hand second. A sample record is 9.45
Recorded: 5.42
